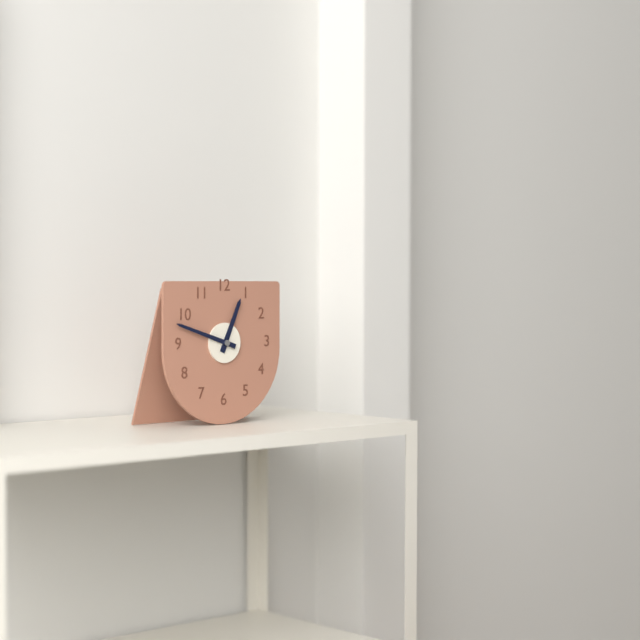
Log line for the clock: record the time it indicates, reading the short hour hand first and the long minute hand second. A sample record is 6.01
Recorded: 12.48
